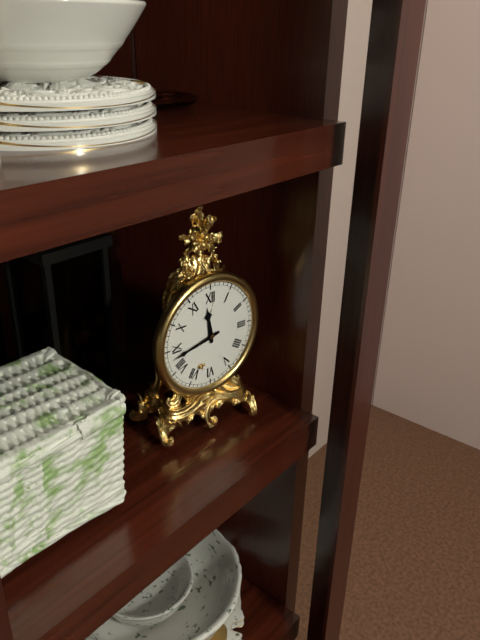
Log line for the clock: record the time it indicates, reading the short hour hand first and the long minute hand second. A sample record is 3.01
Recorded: 11.43
